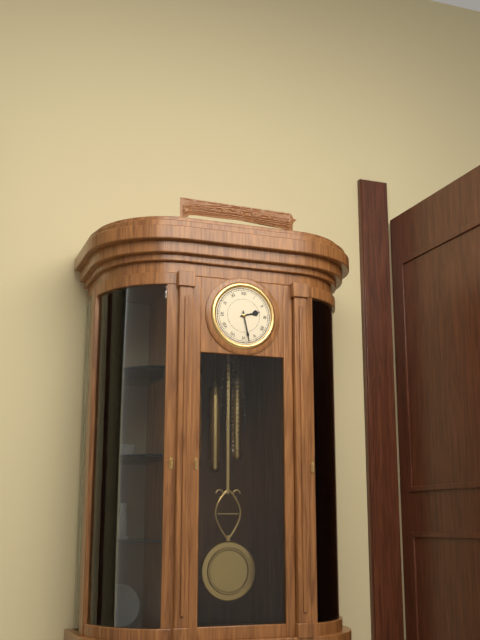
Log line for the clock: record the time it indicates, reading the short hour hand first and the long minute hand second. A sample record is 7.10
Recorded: 2.28
